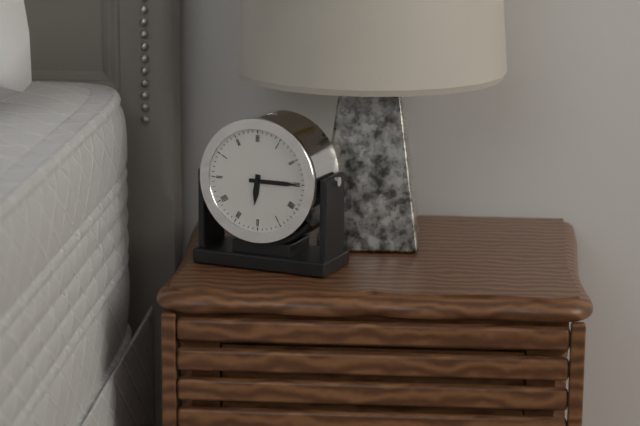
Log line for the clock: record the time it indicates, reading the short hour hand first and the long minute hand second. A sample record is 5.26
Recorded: 6.15
